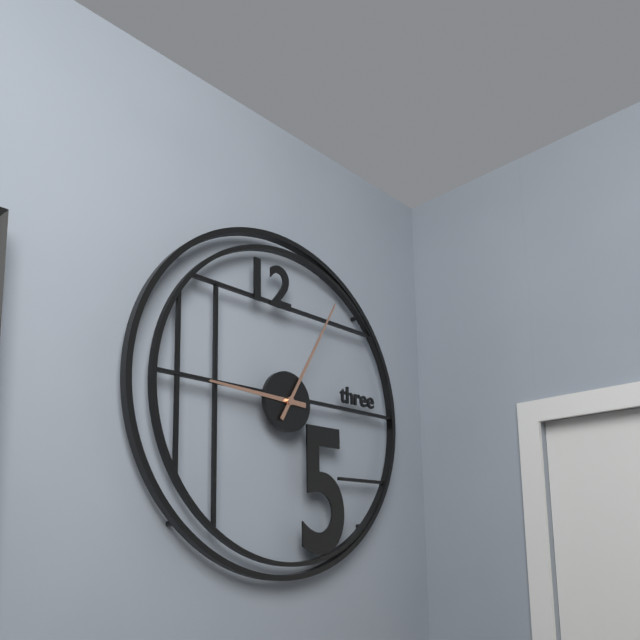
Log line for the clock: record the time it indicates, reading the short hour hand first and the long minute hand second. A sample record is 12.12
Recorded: 9.05
